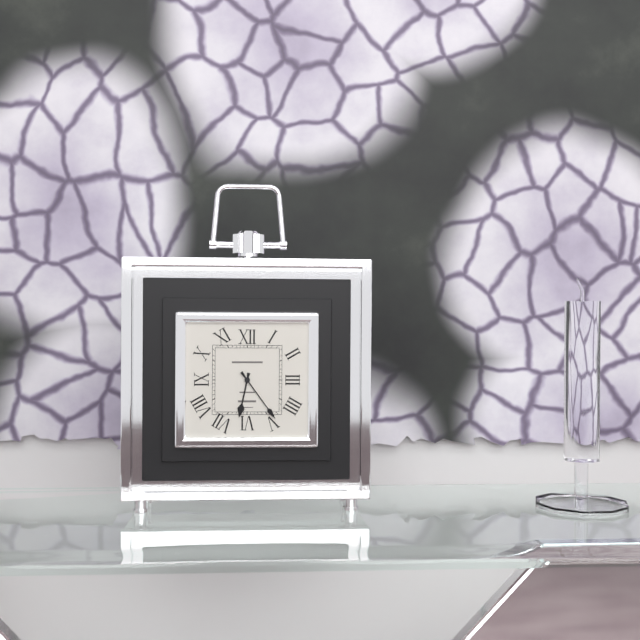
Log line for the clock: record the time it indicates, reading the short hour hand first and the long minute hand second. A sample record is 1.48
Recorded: 6.24
